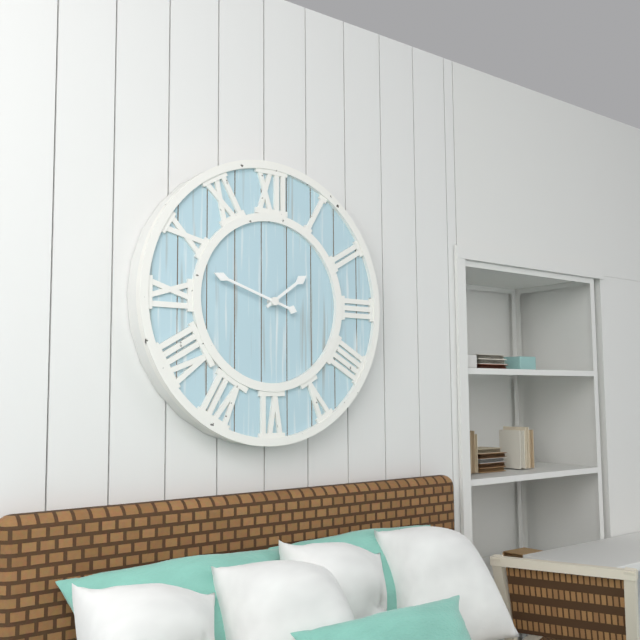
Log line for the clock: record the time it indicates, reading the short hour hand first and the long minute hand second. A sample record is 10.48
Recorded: 1.48
